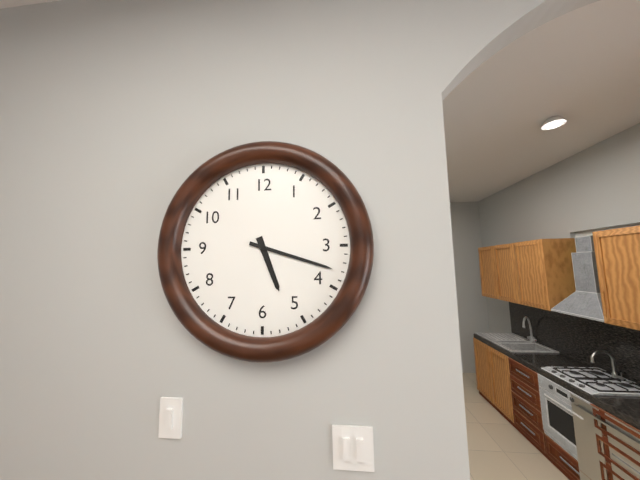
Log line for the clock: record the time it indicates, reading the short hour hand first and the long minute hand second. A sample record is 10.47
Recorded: 5.18
